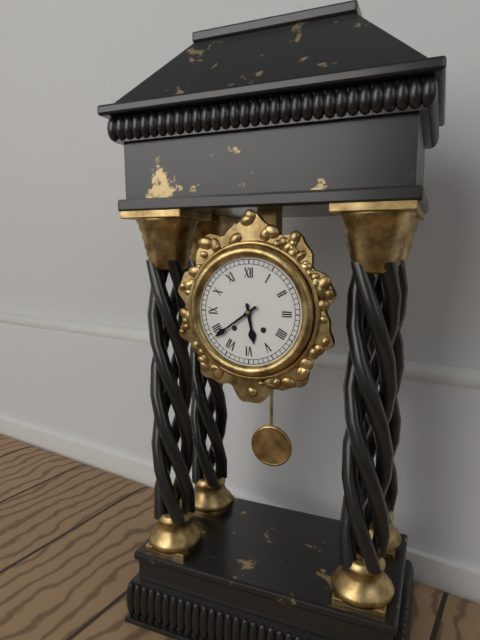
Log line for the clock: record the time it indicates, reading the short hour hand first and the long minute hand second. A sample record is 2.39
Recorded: 5.39
